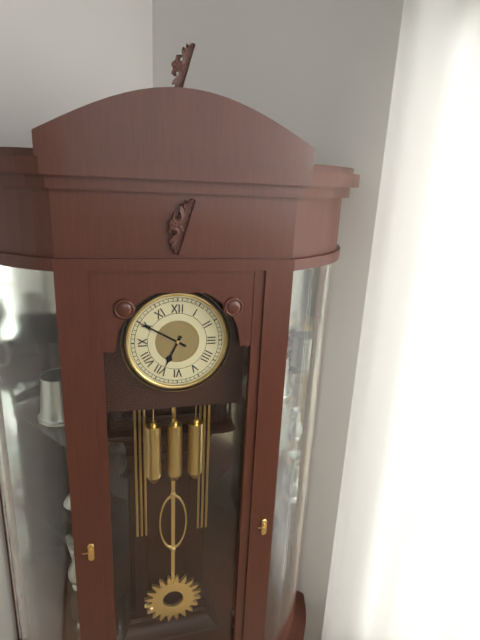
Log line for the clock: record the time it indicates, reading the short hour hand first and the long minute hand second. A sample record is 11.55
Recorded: 6.50
